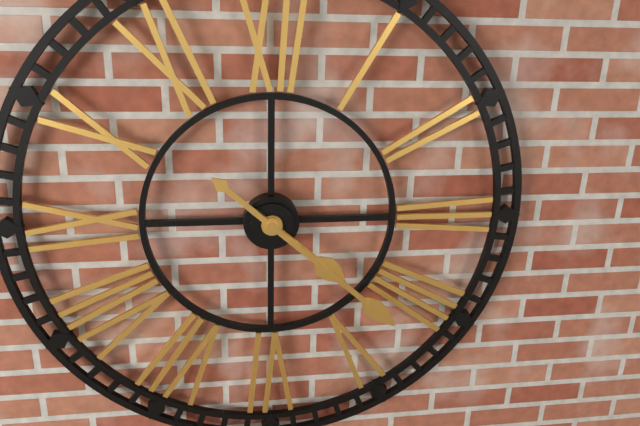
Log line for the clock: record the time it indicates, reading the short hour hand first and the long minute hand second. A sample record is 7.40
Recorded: 4.22
